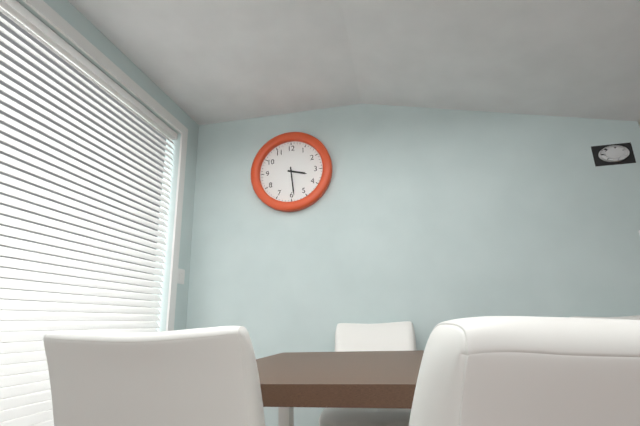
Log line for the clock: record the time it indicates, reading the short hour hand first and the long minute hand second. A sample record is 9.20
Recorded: 3.29
